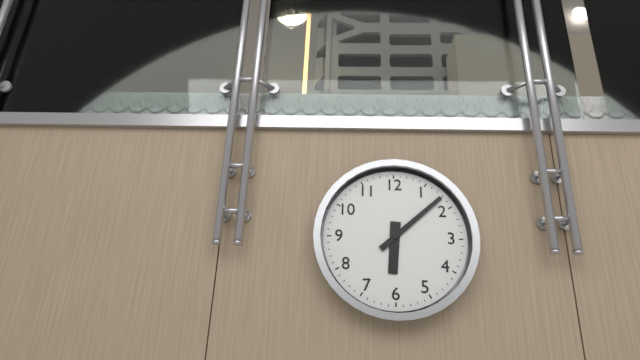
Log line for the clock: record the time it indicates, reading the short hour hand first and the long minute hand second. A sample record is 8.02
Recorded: 6.08
